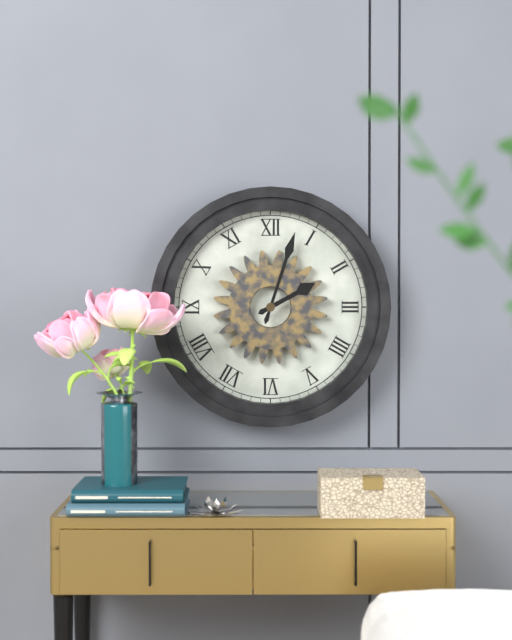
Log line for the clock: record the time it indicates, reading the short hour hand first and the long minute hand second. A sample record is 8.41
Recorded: 2.03
